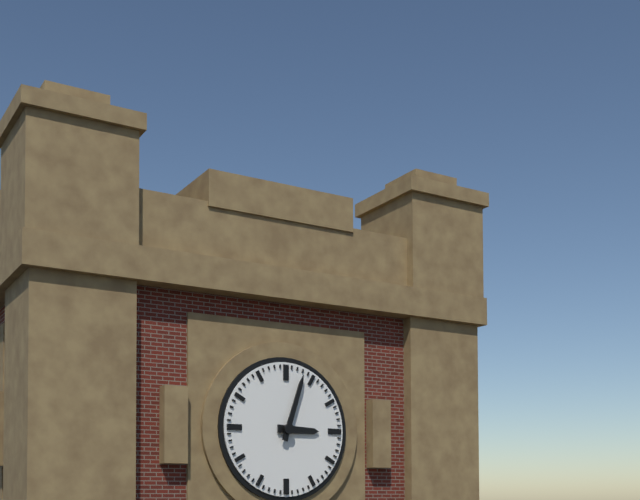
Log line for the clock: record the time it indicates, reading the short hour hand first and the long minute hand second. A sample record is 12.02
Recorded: 3.03
